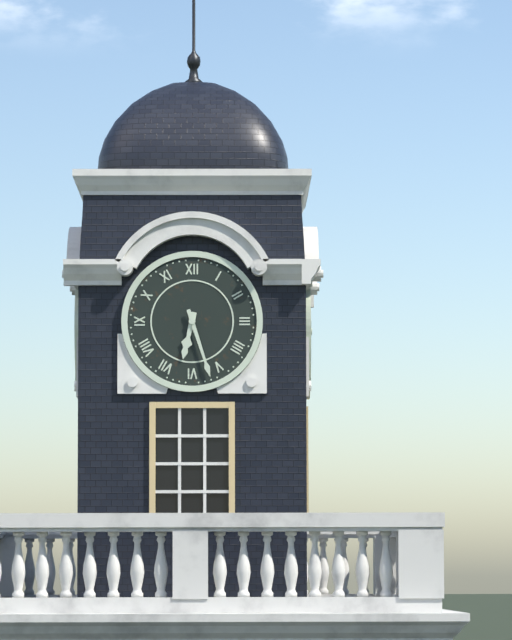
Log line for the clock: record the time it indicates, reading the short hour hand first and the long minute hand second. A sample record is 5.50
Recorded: 6.27
